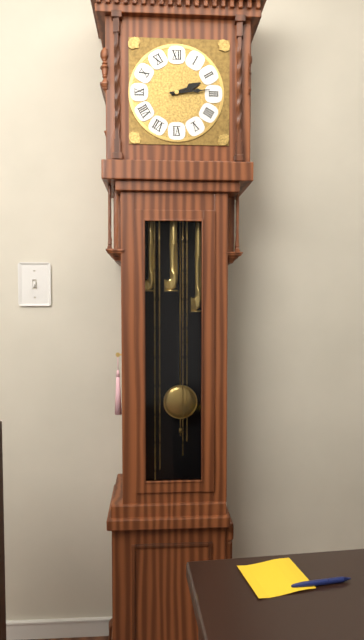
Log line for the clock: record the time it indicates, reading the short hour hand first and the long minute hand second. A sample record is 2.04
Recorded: 2.14
